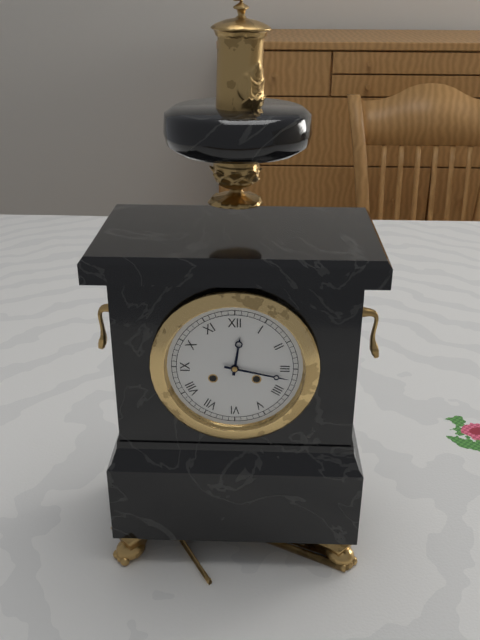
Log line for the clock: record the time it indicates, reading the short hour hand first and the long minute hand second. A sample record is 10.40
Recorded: 12.17
